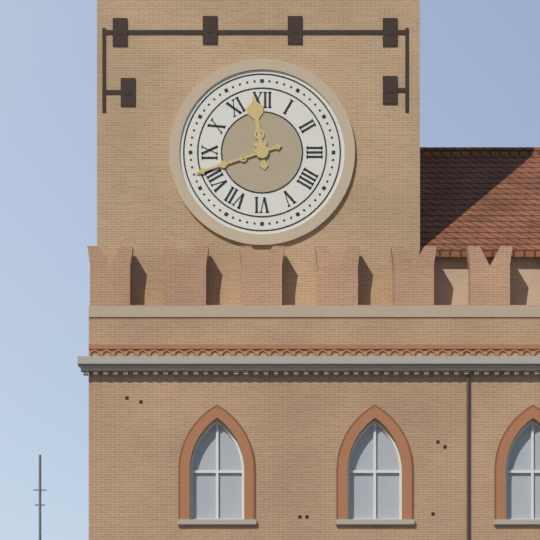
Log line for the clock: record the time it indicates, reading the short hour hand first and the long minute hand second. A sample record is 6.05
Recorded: 11.42
